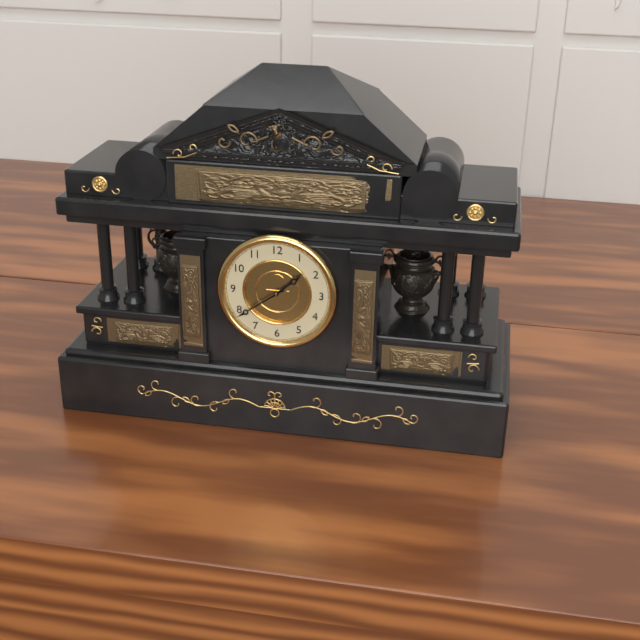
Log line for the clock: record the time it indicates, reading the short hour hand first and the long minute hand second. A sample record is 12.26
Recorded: 1.39
